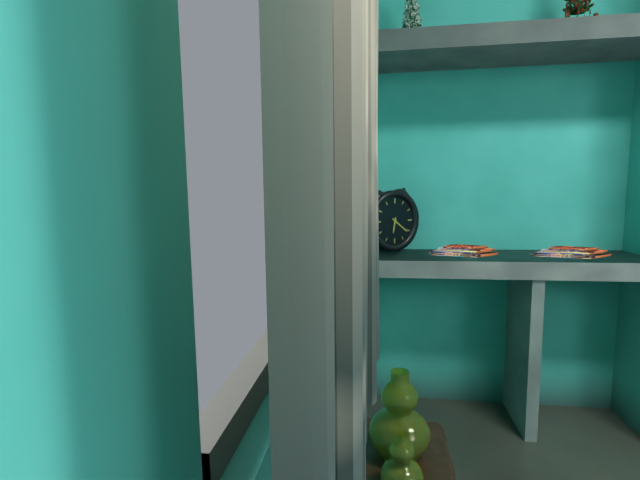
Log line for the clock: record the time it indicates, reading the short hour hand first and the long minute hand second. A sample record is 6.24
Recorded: 6.21
